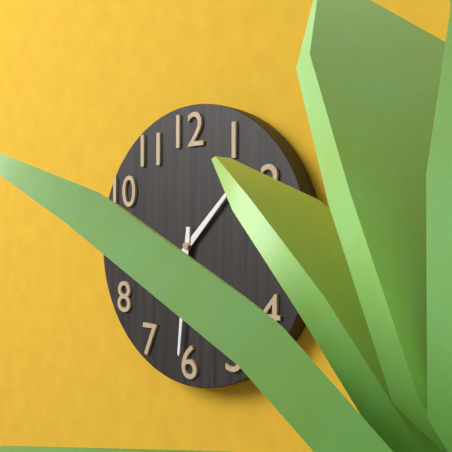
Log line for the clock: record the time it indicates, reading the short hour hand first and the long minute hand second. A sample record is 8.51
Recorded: 1.31
